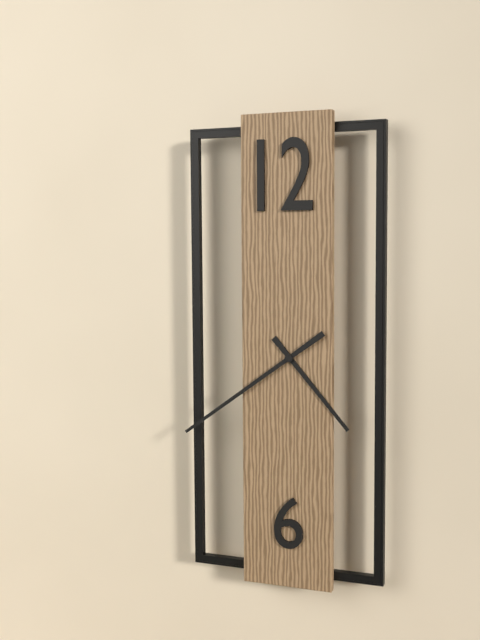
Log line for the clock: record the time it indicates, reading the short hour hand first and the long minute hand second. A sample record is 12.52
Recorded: 4.39
